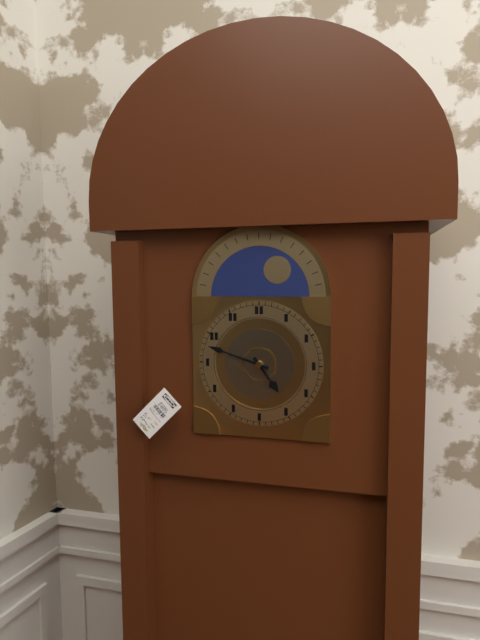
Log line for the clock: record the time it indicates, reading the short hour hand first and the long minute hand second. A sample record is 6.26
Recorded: 4.48
